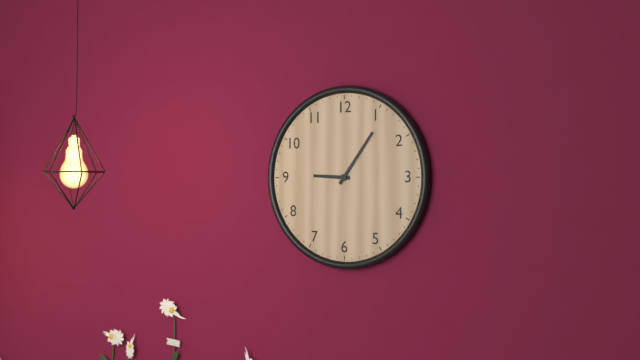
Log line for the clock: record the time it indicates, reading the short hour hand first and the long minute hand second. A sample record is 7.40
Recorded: 9.06
